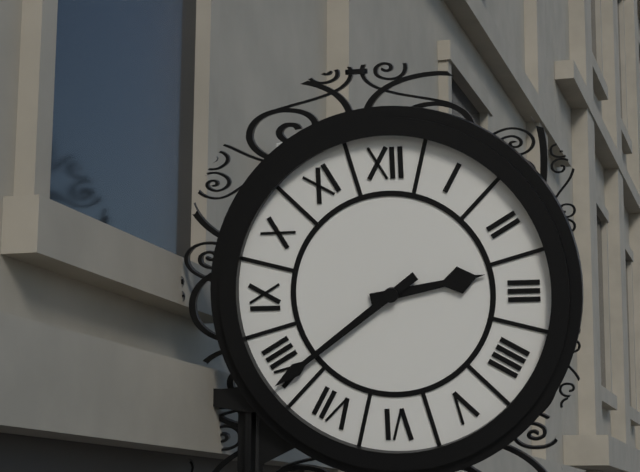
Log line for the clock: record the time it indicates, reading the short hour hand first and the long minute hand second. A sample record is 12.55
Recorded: 2.39
